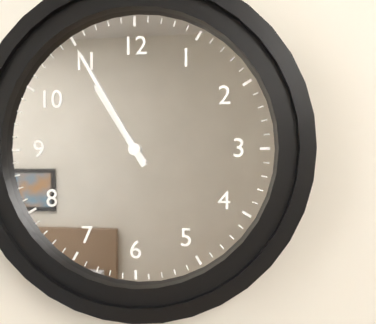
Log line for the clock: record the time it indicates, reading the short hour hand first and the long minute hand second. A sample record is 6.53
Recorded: 10.55
